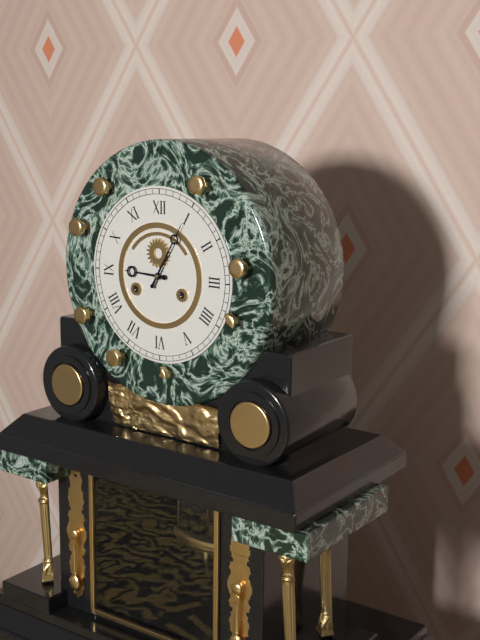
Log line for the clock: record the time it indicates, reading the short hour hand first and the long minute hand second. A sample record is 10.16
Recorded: 9.05
